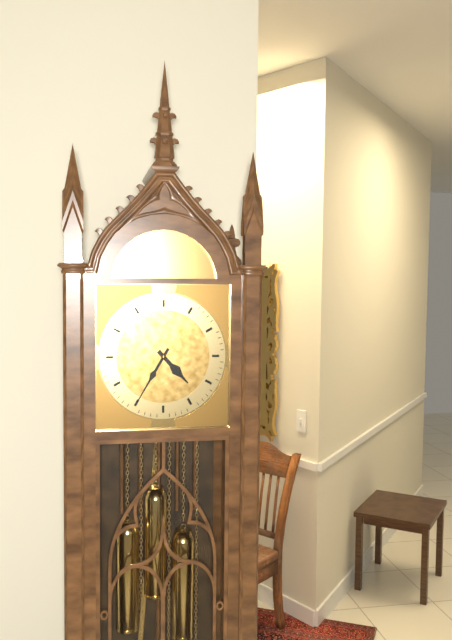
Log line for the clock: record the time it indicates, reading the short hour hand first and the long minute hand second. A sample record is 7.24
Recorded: 4.35
